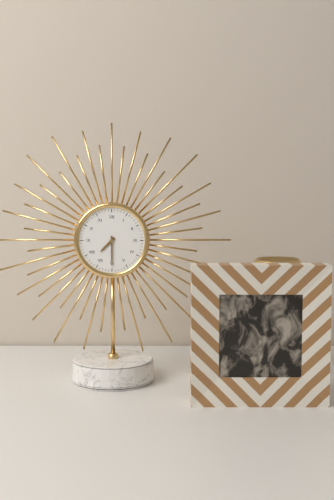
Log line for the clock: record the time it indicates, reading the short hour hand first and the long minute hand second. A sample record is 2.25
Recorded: 7.30
